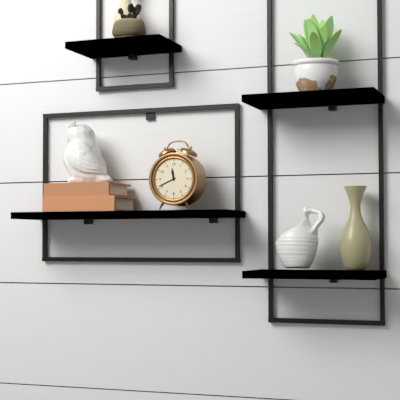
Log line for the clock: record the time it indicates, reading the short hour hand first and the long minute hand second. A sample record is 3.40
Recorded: 11.41
